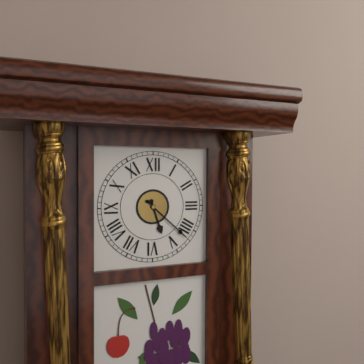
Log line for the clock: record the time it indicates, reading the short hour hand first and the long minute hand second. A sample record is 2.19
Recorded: 5.22
